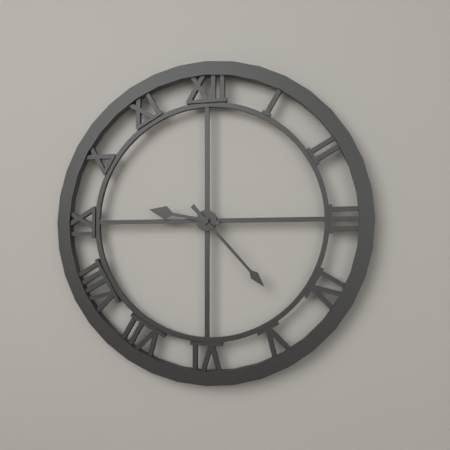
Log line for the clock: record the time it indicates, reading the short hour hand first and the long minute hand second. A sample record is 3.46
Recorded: 9.23
